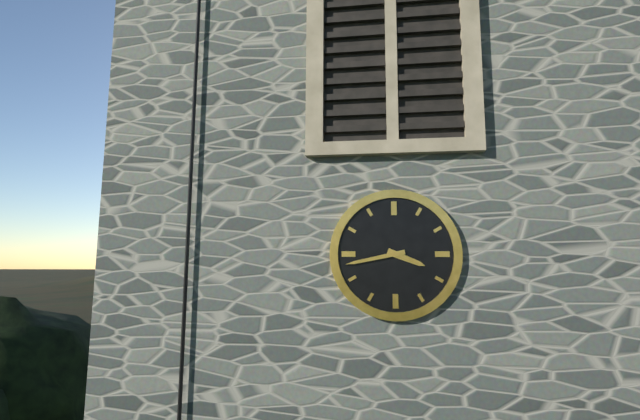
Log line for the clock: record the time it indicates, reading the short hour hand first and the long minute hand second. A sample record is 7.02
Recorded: 3.43
